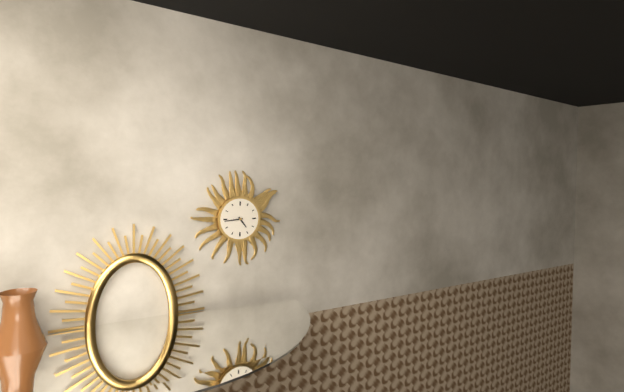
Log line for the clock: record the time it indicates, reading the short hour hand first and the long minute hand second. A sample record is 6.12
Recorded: 4.44
